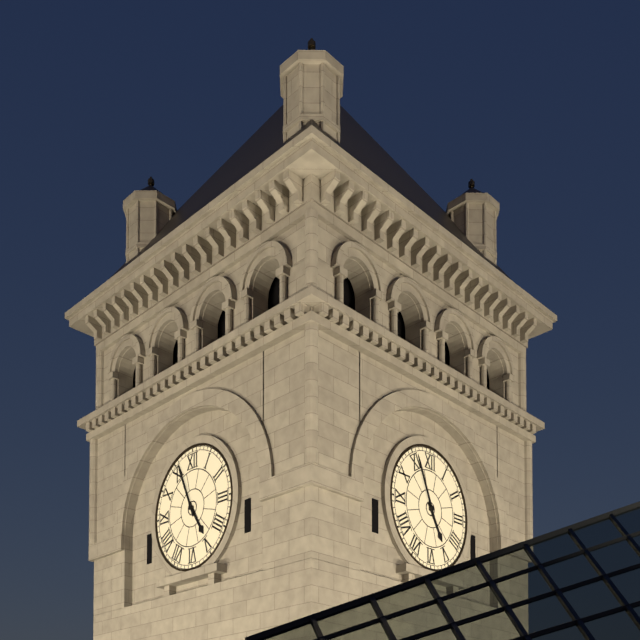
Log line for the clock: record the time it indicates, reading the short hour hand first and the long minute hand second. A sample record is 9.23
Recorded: 4.56
